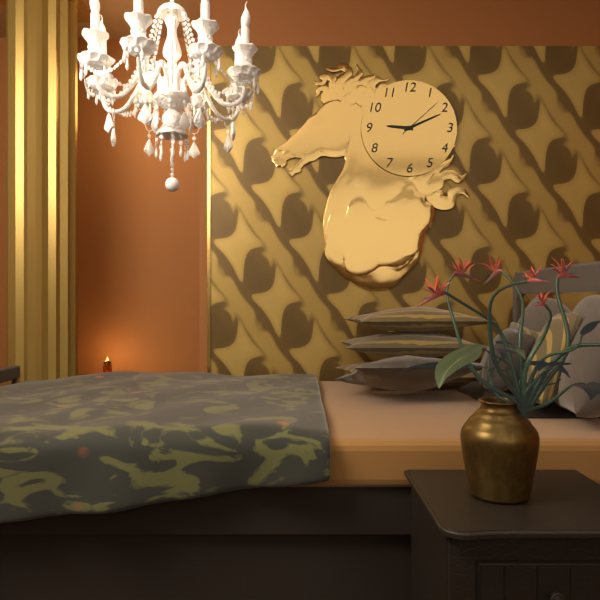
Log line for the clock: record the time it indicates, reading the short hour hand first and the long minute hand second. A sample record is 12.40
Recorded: 9.11
